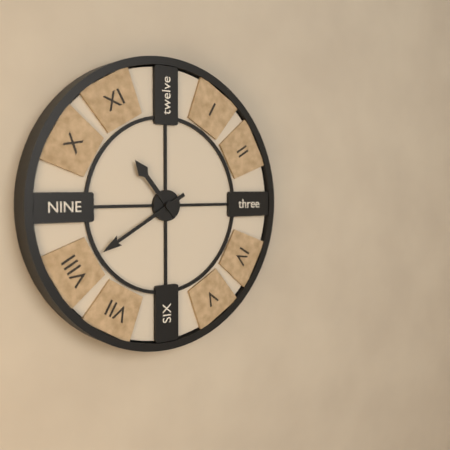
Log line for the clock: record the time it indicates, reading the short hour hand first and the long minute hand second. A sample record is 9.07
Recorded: 10.40
